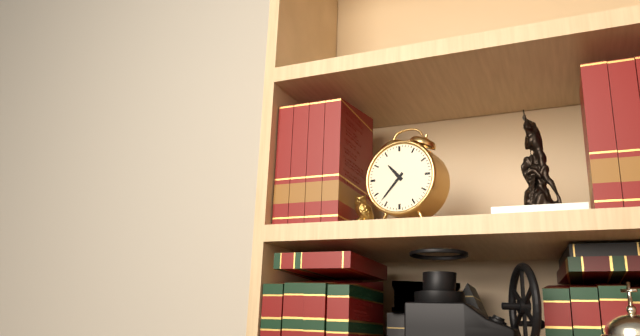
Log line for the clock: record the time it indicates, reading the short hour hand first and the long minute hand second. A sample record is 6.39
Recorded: 10.37
